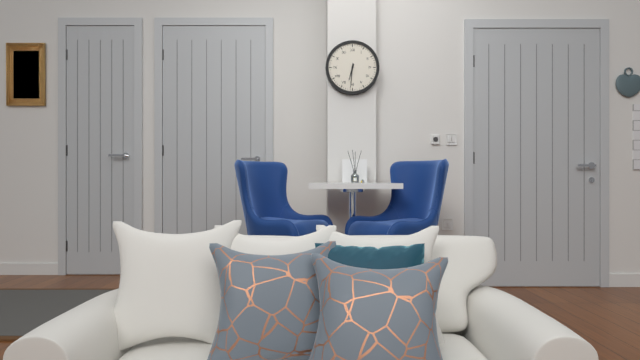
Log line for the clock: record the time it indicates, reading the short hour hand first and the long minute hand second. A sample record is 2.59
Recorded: 6.31
